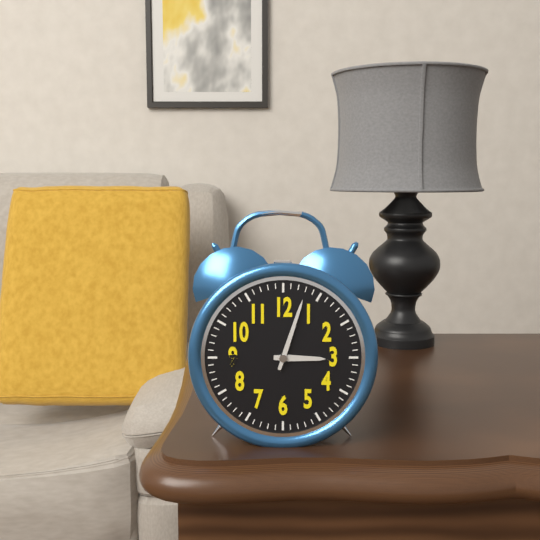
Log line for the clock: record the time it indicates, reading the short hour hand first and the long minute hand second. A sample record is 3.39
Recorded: 3.03
